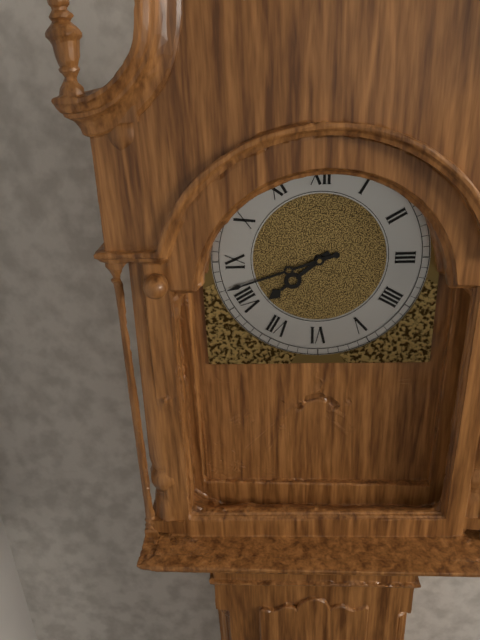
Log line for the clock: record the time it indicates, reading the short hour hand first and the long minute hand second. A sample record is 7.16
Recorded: 7.42
